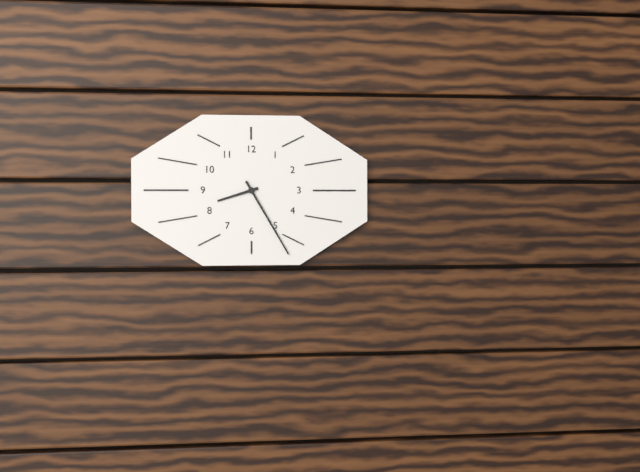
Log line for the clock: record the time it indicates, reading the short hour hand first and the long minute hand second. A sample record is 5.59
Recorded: 8.25
